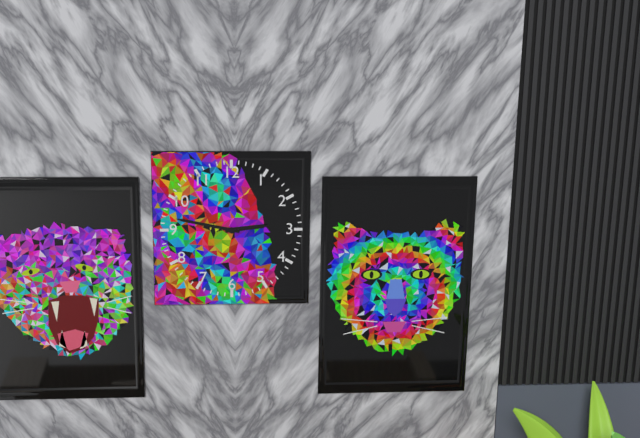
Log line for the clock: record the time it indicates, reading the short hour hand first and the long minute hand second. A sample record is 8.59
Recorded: 2.47
